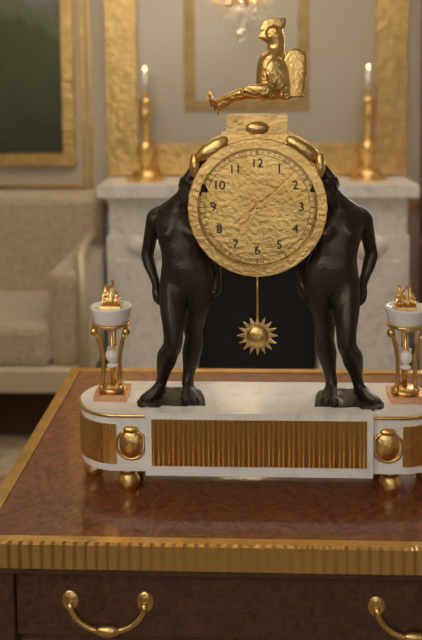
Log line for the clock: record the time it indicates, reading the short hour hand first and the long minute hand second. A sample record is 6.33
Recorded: 7.08
